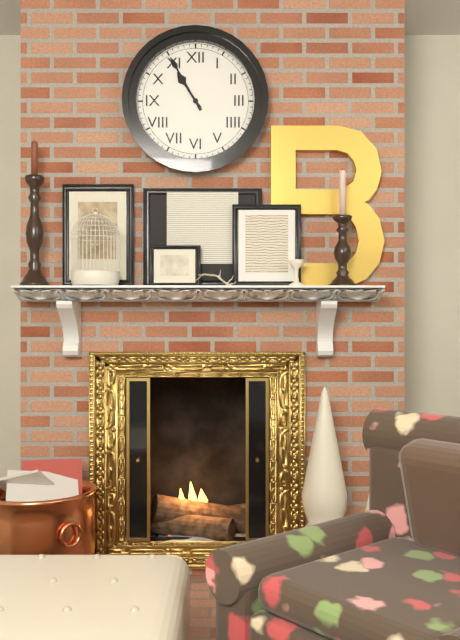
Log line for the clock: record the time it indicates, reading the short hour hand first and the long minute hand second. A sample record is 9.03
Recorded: 10.55
